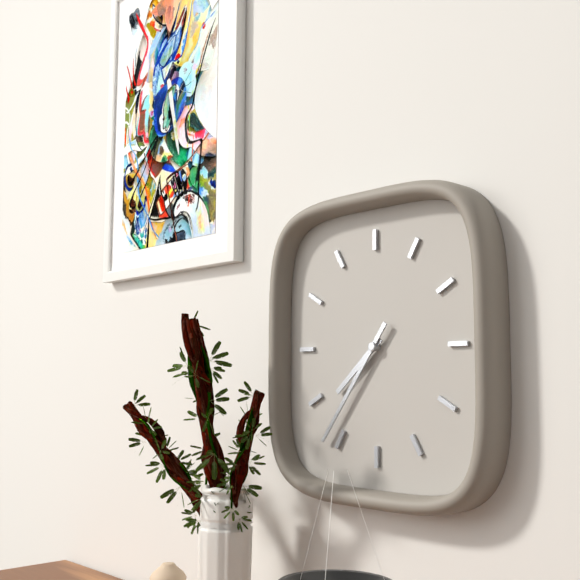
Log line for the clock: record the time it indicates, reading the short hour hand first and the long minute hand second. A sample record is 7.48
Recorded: 7.36
